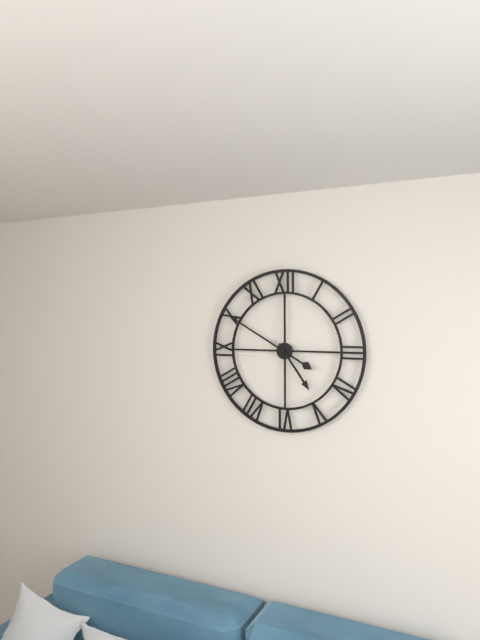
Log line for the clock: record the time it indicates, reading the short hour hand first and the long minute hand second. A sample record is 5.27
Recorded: 4.50
